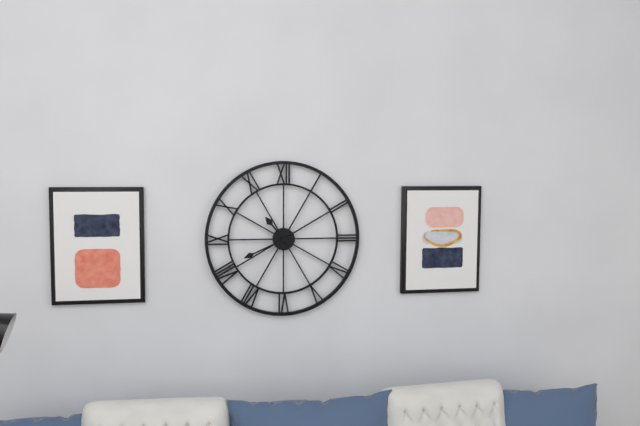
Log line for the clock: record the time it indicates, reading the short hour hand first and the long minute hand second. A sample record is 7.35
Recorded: 10.41
